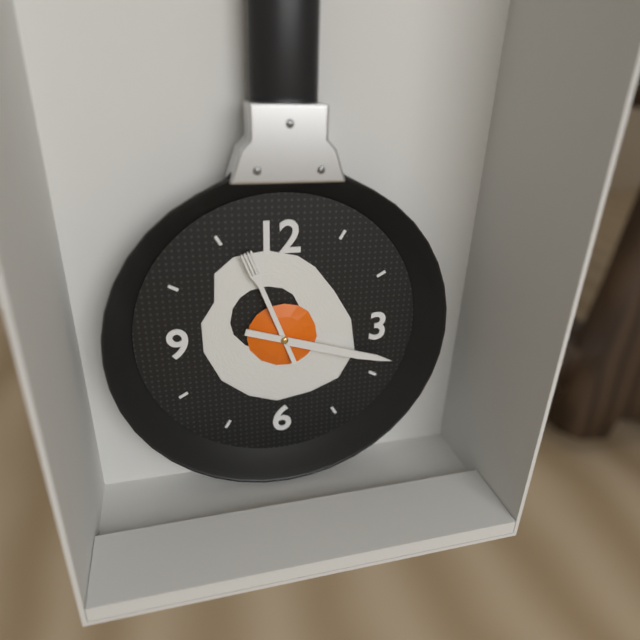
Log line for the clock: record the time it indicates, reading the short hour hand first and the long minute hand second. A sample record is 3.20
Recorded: 11.18
